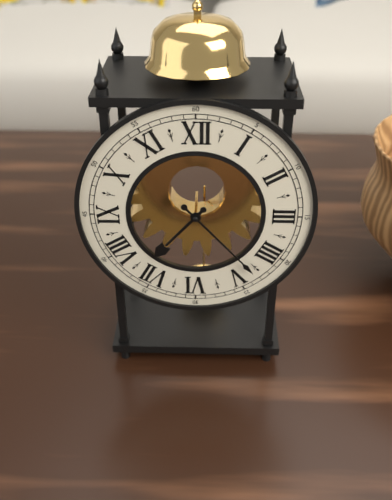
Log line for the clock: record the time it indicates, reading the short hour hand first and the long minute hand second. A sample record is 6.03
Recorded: 7.23
